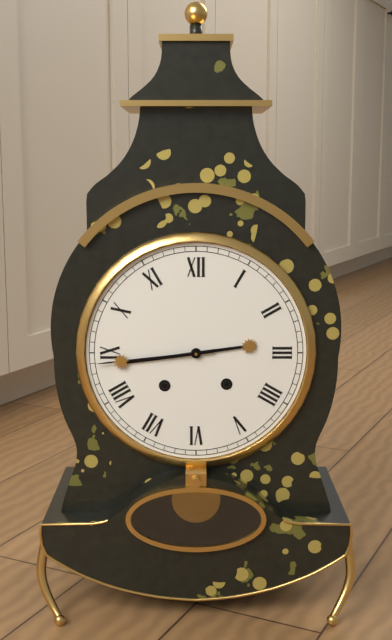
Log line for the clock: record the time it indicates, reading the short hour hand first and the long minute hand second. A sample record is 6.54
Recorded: 8.44
